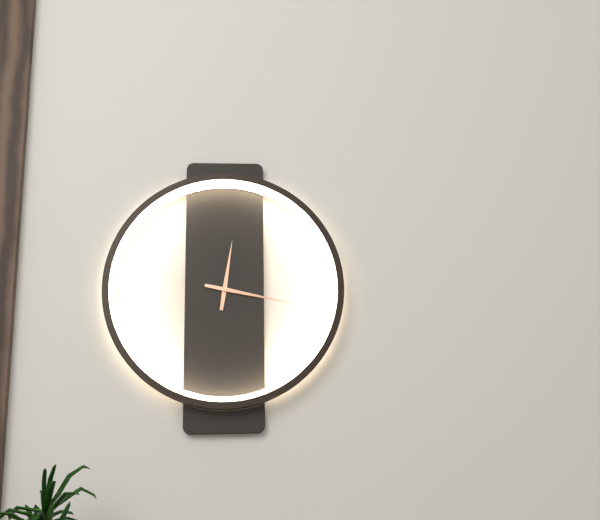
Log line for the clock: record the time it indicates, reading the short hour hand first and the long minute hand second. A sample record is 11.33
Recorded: 12.17
